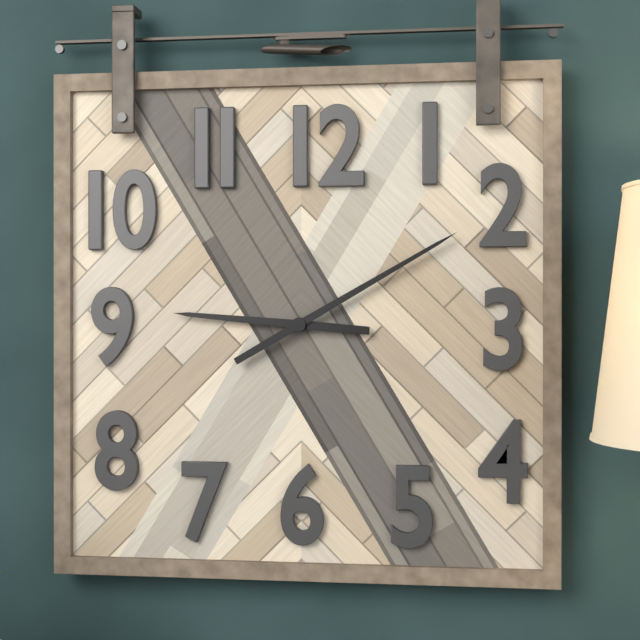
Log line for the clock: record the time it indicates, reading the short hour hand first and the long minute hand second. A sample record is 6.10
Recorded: 9.10
